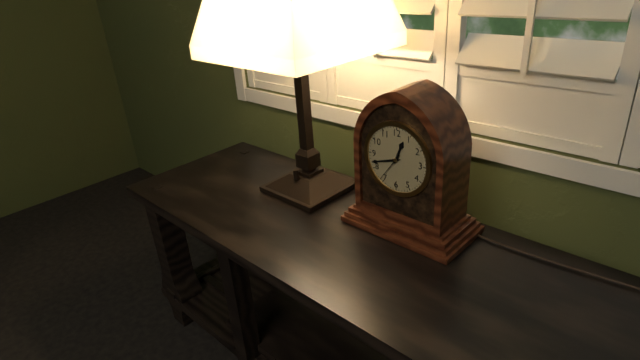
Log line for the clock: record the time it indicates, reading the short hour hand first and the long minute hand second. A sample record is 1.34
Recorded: 12.42
